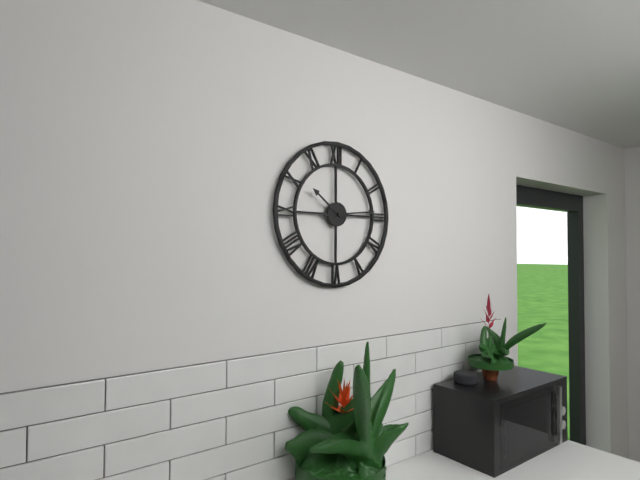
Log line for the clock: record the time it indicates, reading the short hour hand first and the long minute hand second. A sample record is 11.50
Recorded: 10.14
